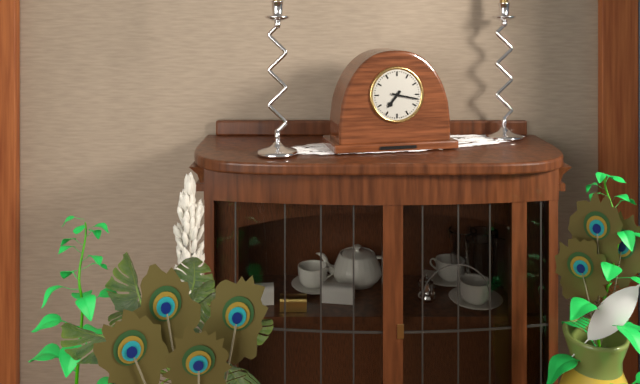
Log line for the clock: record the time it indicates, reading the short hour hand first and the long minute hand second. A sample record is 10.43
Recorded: 7.17
